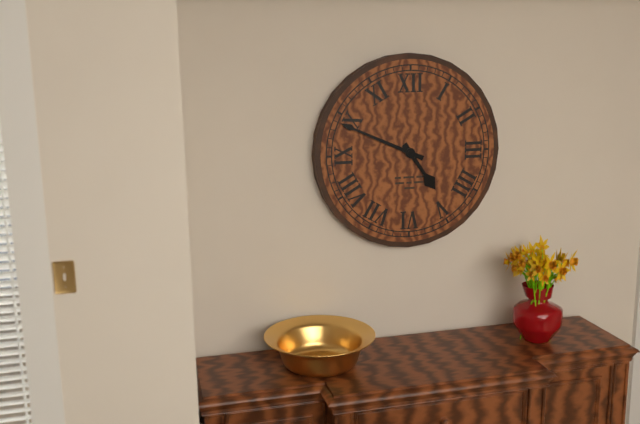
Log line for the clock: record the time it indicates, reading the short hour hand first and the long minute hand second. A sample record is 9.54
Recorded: 4.49
